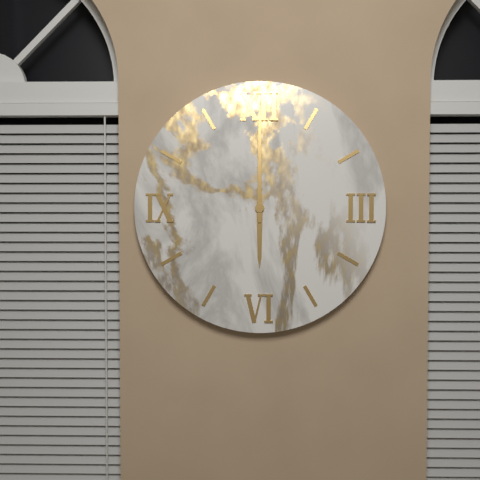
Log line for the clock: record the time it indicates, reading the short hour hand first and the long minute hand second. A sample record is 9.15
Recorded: 6.00
